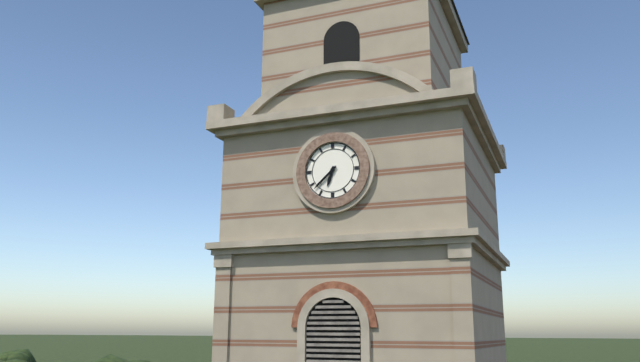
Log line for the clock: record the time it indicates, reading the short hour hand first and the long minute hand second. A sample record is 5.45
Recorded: 6.38
